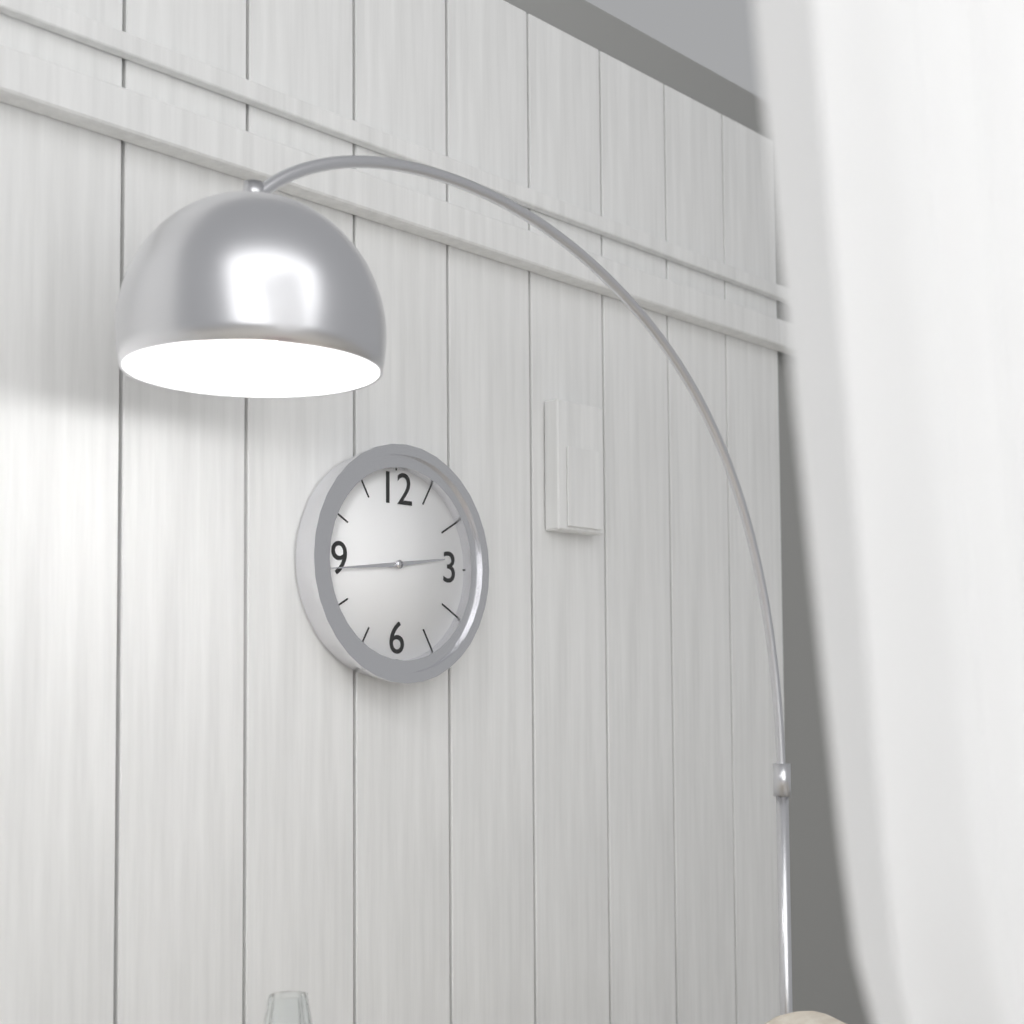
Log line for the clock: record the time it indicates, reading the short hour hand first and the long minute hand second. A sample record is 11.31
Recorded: 2.44
